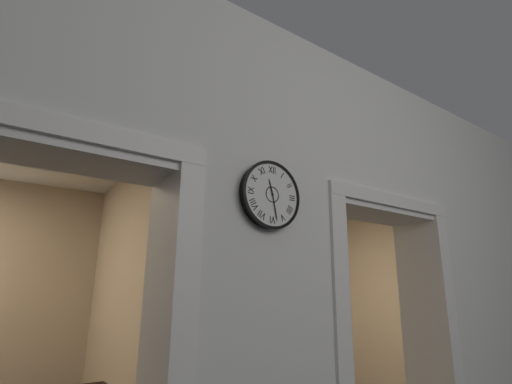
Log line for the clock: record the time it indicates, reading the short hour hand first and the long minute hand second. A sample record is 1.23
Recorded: 11.28
